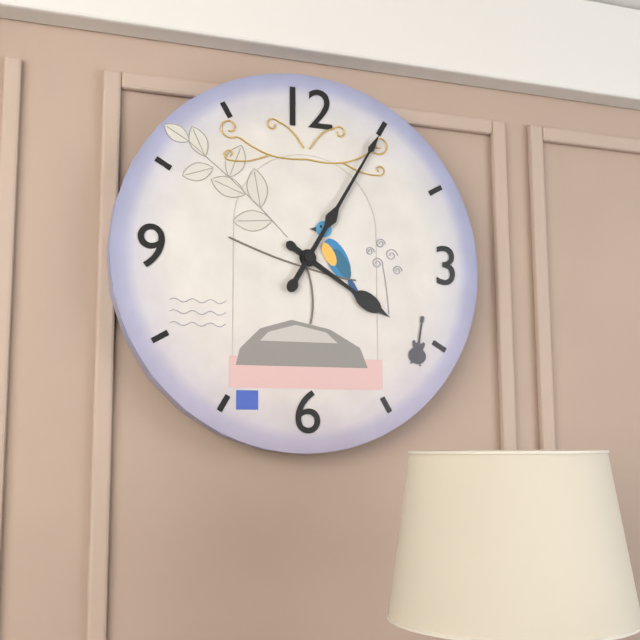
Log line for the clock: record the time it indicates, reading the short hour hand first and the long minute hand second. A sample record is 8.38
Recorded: 4.05
